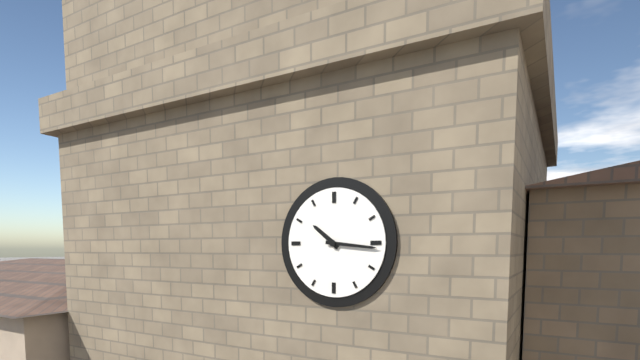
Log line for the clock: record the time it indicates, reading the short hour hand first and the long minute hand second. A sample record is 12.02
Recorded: 10.16
